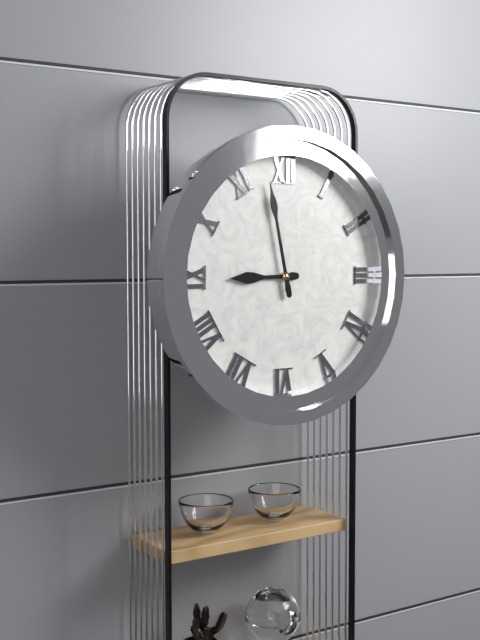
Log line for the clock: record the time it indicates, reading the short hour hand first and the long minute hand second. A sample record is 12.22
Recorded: 8.58
